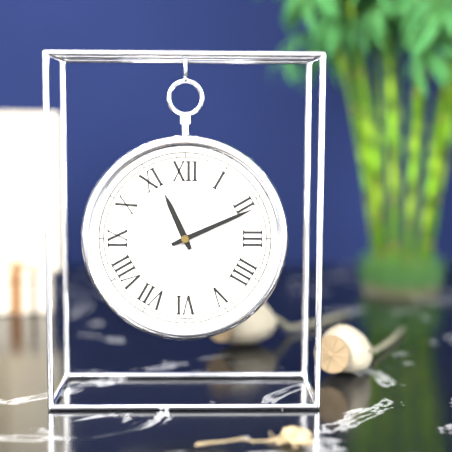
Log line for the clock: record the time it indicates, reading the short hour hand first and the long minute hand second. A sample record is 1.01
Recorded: 11.11
